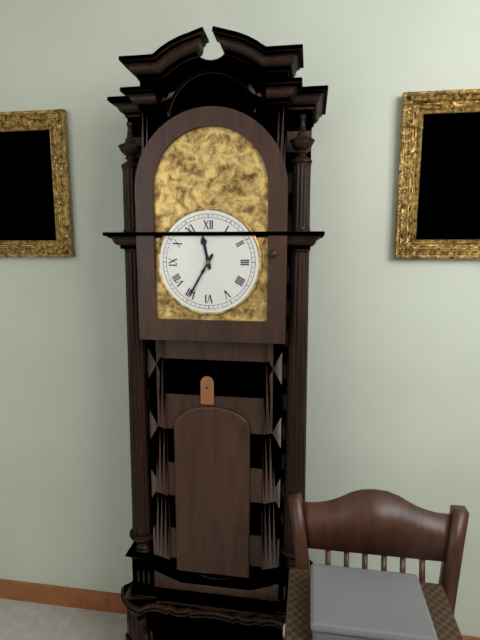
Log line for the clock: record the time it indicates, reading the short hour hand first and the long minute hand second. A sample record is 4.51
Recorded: 11.35
